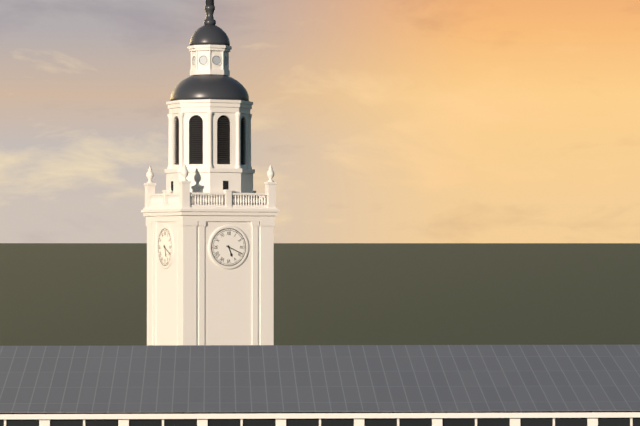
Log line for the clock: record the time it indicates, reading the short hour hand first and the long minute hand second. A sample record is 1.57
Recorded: 5.19
